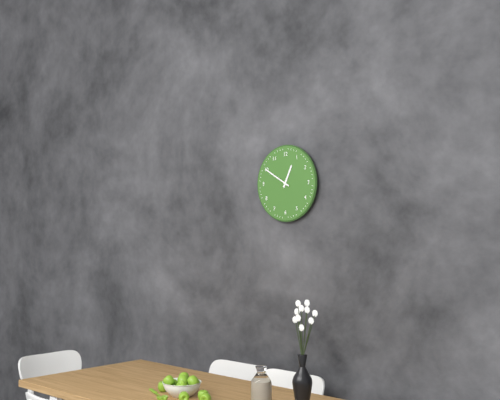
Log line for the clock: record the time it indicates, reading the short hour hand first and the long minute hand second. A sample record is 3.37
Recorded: 12.50
